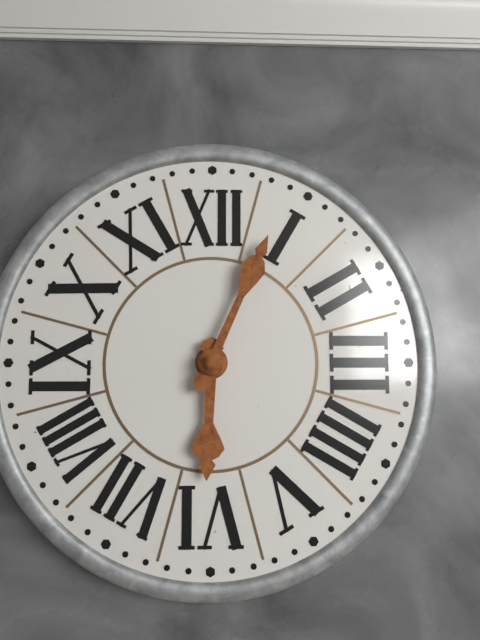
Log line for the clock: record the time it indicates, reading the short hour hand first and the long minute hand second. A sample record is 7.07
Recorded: 6.04
